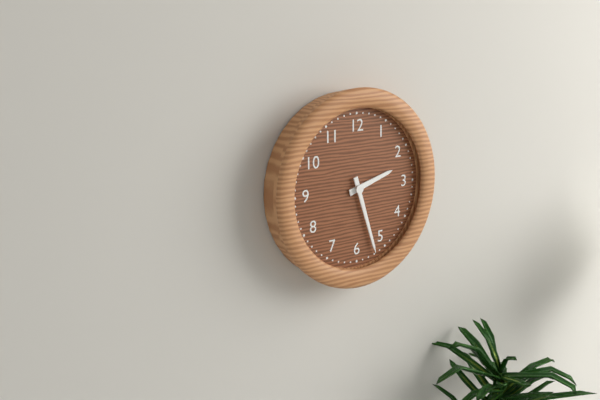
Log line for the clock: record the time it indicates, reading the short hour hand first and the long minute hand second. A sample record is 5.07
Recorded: 2.27
